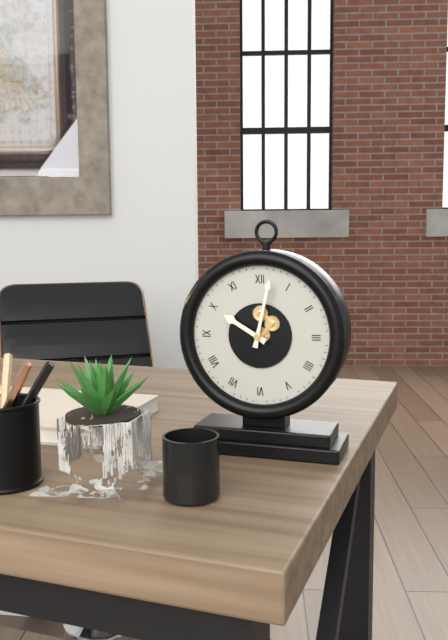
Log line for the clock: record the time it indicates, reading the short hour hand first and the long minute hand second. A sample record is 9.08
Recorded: 10.02
